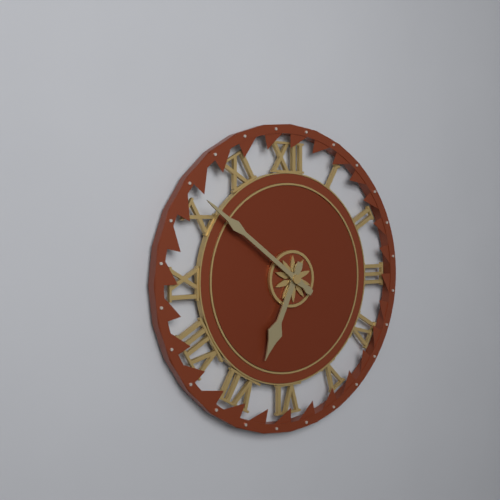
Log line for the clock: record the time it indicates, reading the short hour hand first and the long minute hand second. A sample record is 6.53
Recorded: 6.51
